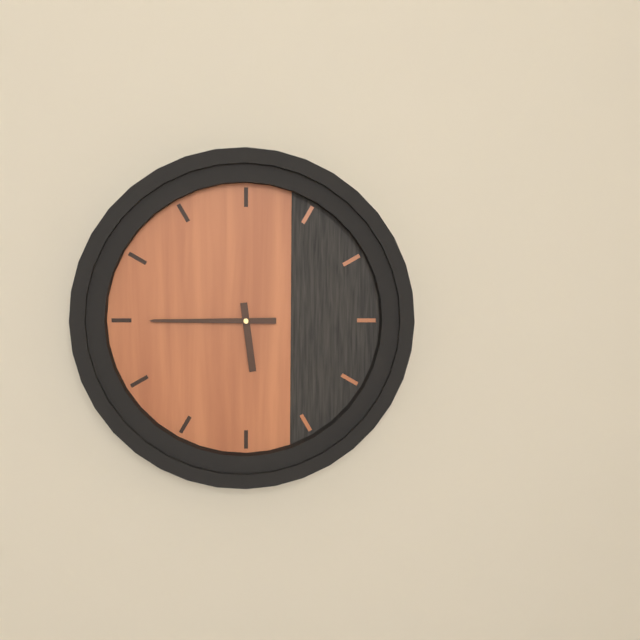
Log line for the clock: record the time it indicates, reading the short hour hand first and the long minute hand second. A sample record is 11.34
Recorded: 5.45
